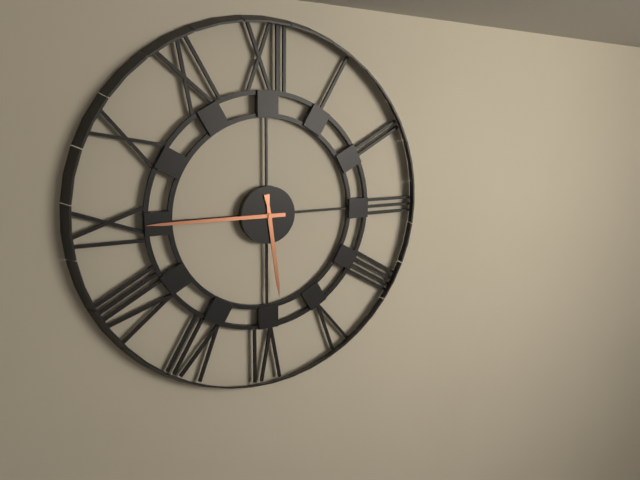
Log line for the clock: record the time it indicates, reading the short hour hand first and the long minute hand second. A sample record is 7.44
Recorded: 5.45
